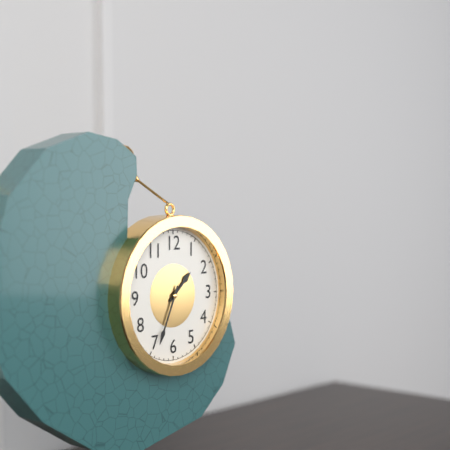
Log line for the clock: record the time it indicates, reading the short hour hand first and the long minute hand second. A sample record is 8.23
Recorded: 1.34
